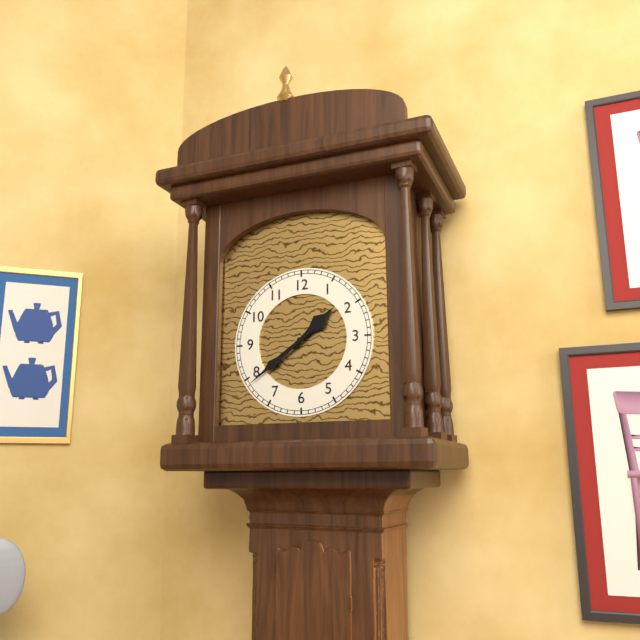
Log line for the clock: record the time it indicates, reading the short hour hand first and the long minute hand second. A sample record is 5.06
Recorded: 1.39
